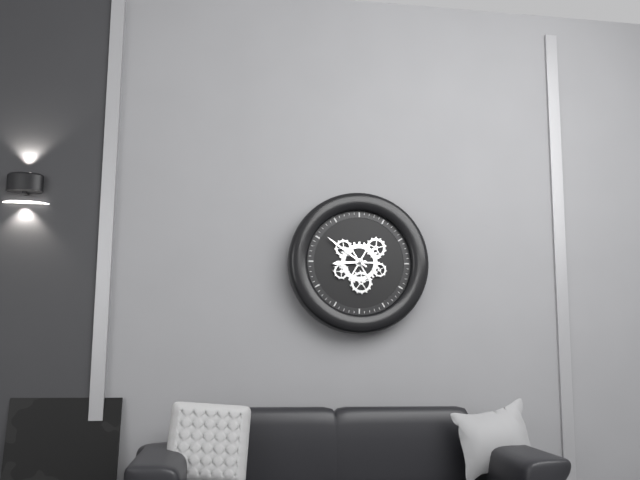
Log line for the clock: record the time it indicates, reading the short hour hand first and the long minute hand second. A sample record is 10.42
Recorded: 8.51
